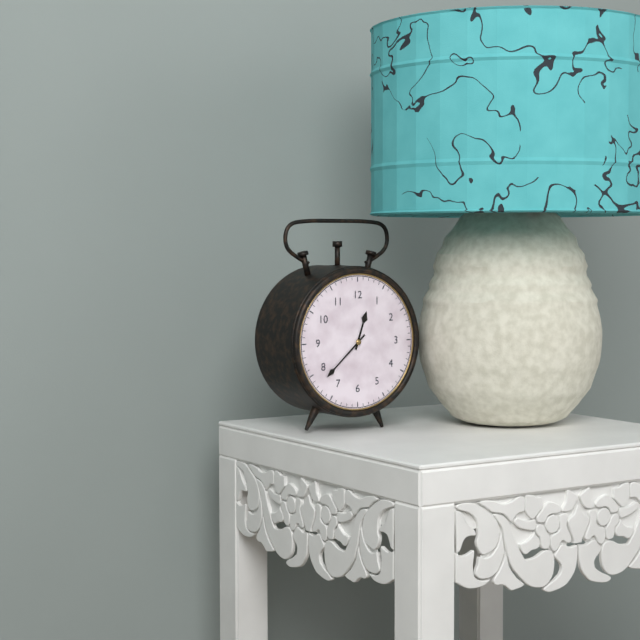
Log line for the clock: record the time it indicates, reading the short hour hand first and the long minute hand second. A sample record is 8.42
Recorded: 12.38
